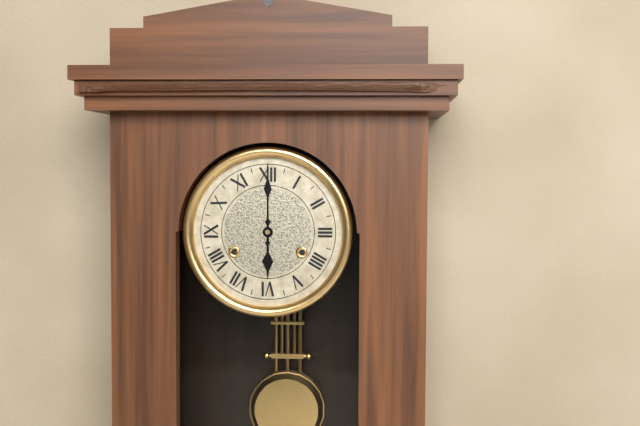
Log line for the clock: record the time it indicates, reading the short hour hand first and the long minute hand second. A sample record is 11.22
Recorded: 6.00
